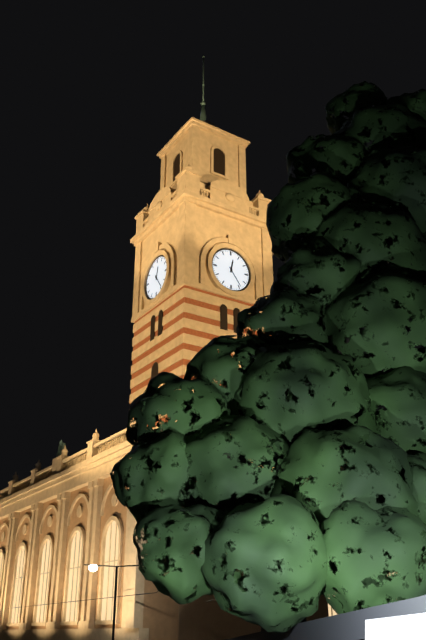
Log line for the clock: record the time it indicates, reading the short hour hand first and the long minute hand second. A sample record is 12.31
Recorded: 12.24
